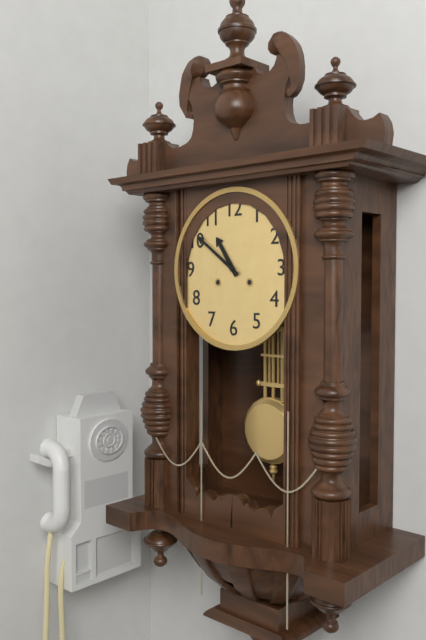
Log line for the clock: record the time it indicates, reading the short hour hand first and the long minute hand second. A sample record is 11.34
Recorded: 10.51
